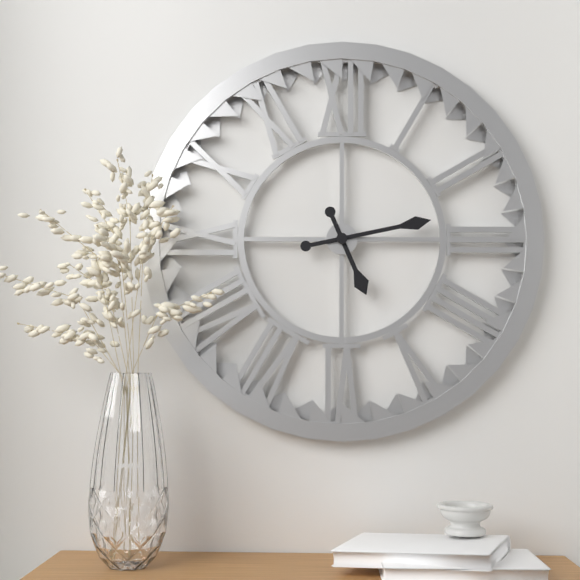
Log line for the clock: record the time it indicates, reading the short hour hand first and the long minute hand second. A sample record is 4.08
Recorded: 5.13
